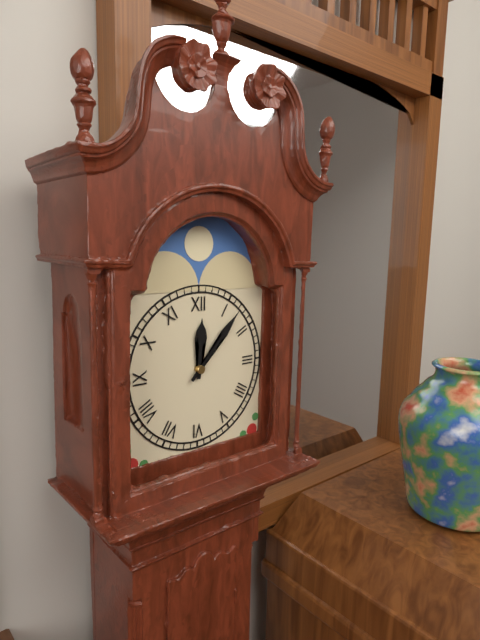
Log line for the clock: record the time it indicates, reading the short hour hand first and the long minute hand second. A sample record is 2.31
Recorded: 12.07
